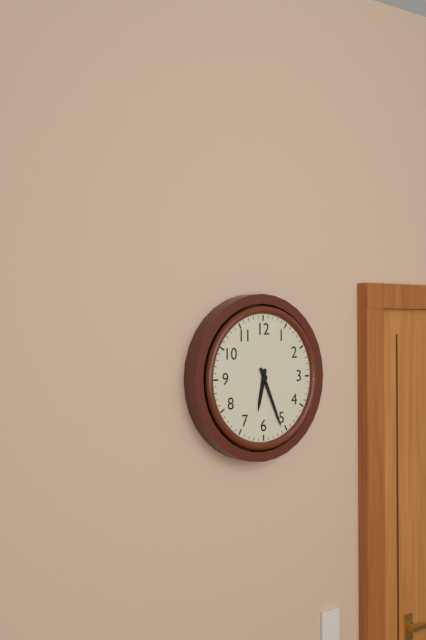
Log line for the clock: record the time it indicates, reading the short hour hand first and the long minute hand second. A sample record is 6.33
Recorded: 6.26
